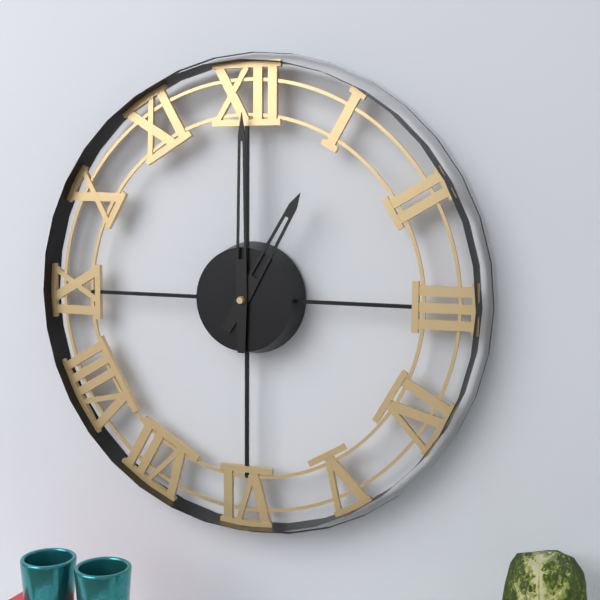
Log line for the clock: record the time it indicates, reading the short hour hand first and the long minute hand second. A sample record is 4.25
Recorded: 1.00
